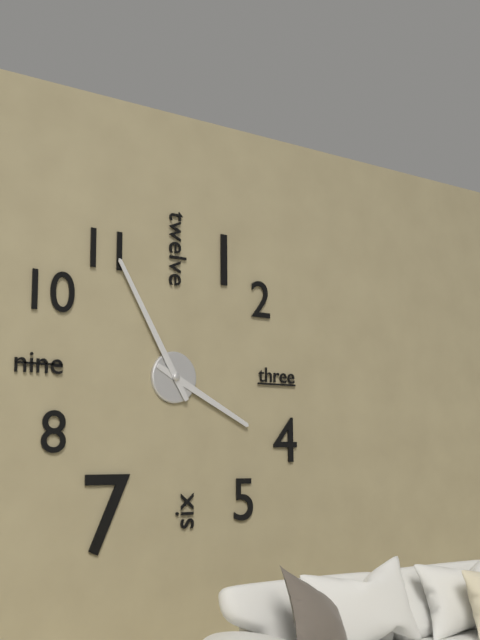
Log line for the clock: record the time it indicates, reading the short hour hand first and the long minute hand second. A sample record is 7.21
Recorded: 3.55
